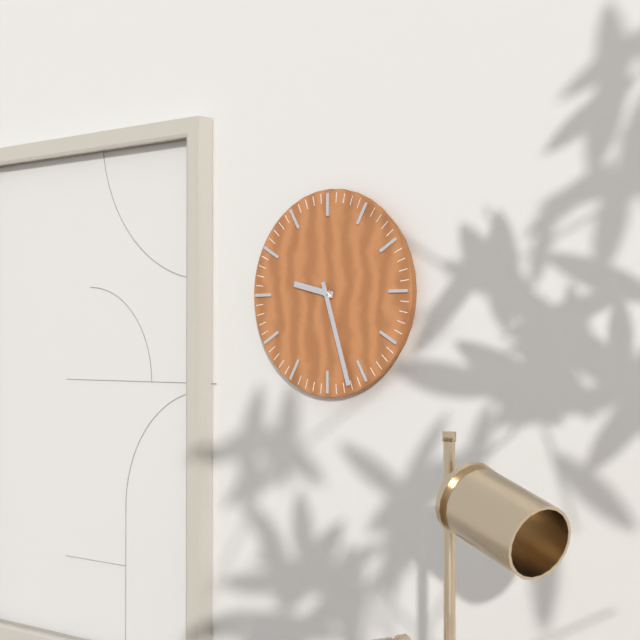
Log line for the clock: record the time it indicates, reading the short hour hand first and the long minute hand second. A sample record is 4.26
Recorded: 9.27
